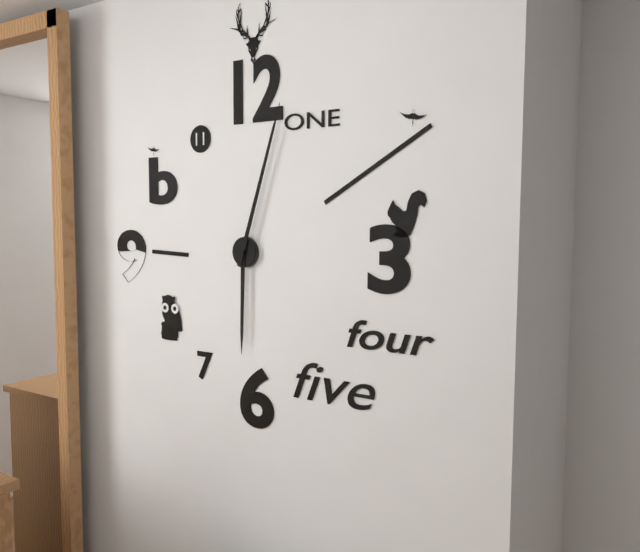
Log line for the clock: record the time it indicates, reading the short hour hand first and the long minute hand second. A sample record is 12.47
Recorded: 6.03
